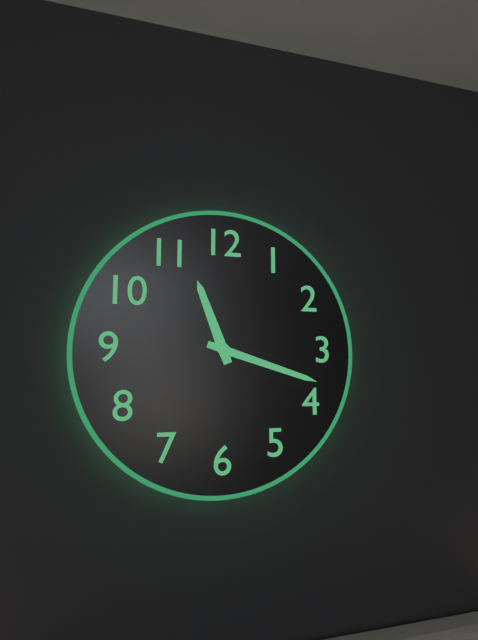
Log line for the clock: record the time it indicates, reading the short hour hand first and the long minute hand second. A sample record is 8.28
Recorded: 11.18
